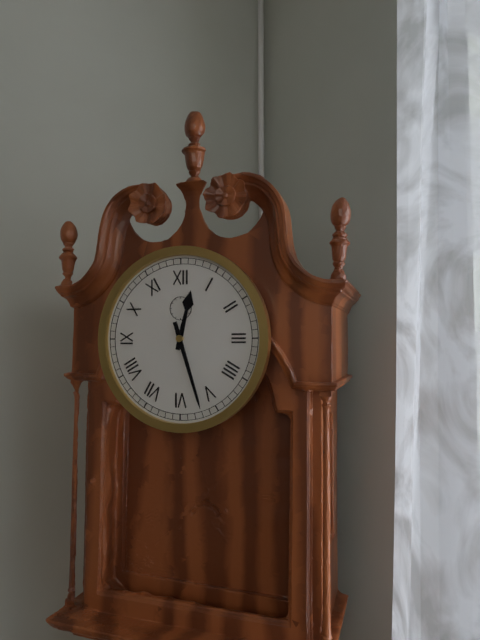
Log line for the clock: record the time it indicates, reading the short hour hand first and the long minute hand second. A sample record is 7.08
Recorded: 12.27
